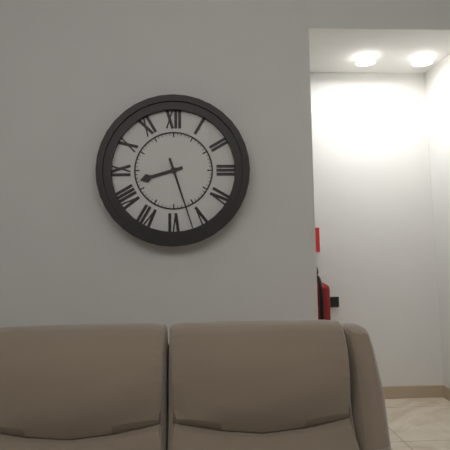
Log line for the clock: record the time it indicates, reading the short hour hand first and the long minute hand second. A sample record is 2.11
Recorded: 8.27
